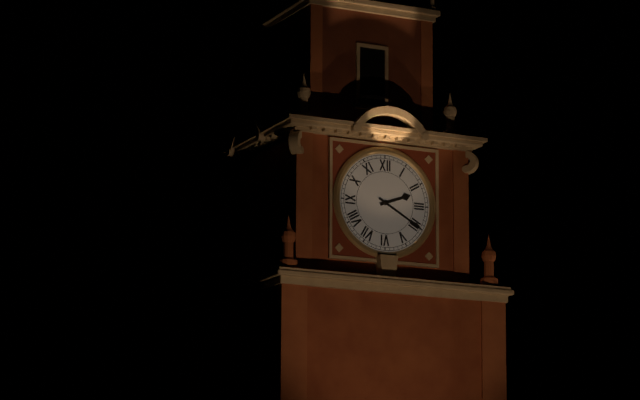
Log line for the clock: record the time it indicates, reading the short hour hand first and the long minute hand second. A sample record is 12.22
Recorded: 2.20
